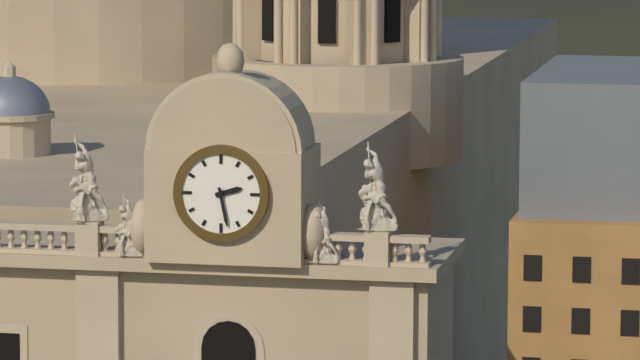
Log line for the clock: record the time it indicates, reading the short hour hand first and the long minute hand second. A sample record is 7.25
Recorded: 2.28
